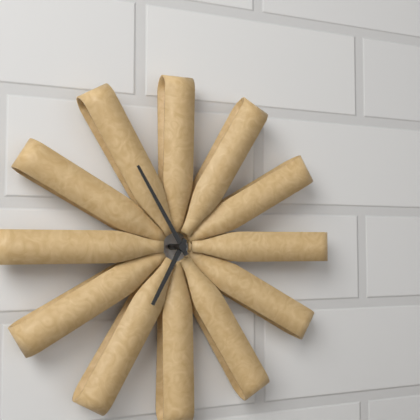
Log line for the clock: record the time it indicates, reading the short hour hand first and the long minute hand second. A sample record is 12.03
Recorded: 6.55
